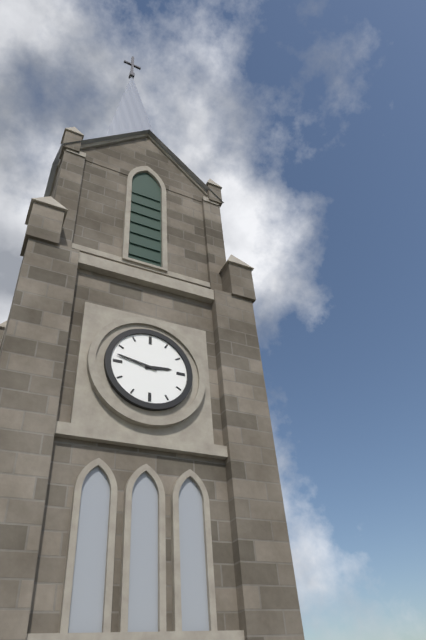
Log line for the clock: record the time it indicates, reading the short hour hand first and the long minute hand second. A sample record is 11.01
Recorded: 2.47
